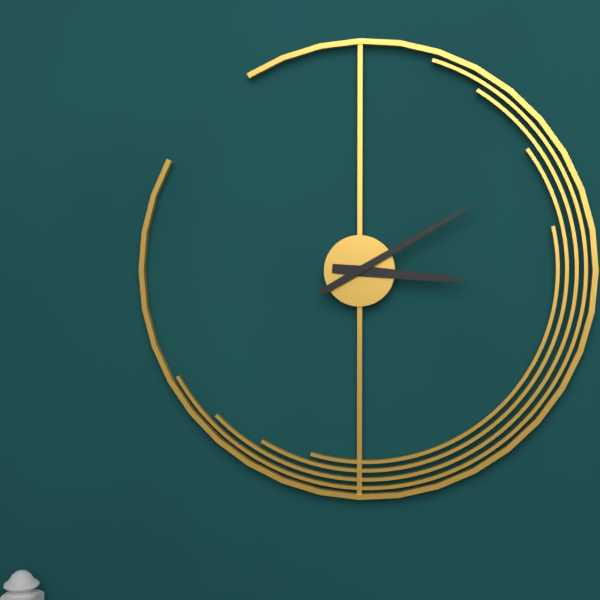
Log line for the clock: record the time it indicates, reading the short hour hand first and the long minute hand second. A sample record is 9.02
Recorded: 3.10
